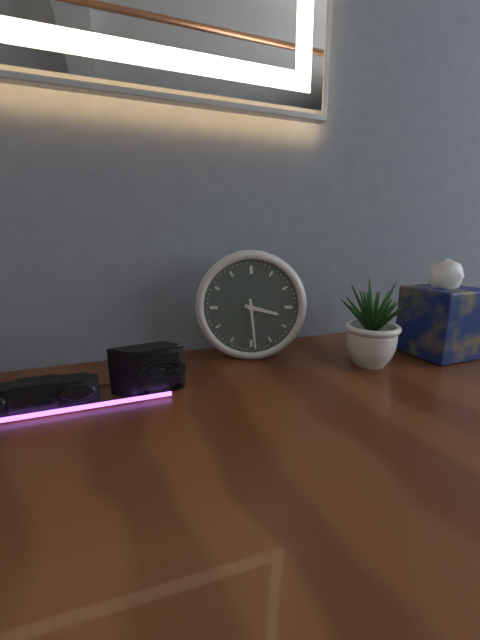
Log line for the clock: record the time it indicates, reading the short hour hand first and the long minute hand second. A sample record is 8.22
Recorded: 3.29
